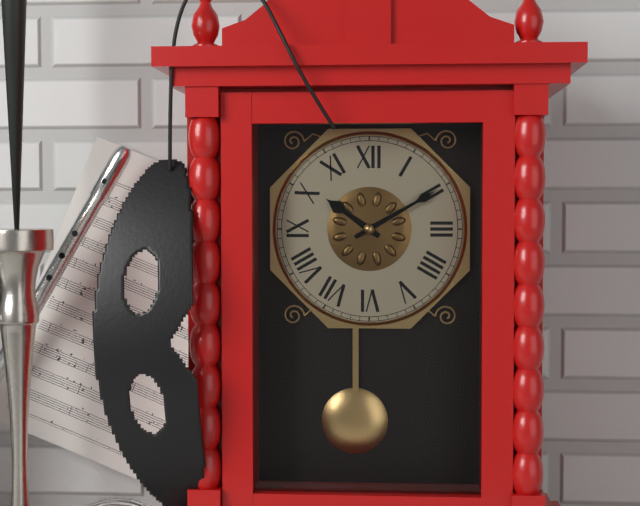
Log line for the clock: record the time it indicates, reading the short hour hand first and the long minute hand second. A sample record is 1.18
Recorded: 10.10
